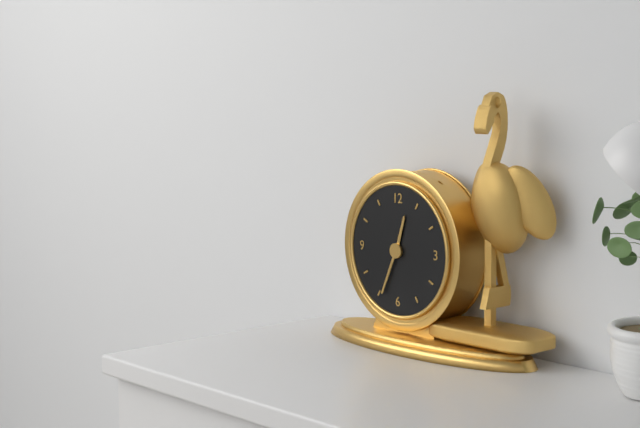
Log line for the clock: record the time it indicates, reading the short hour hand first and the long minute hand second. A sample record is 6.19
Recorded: 12.34
